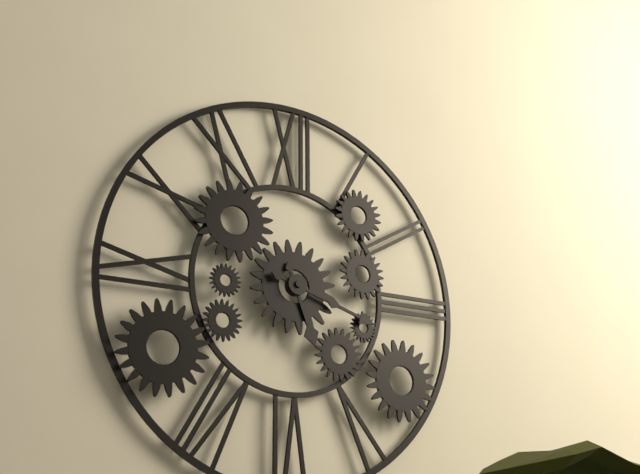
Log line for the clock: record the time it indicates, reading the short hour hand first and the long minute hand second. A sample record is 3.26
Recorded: 5.18
